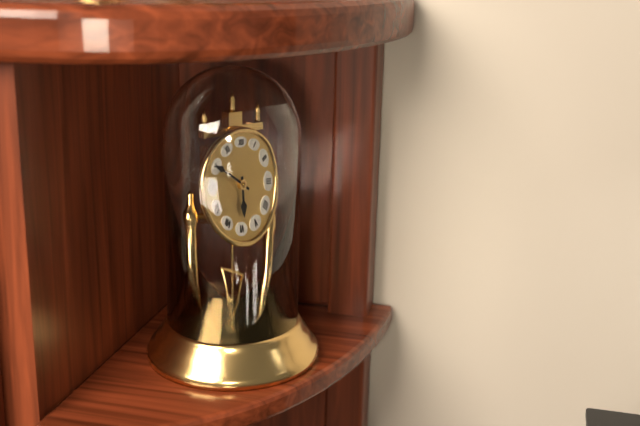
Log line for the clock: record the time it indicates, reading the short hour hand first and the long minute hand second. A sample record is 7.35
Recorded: 5.50
